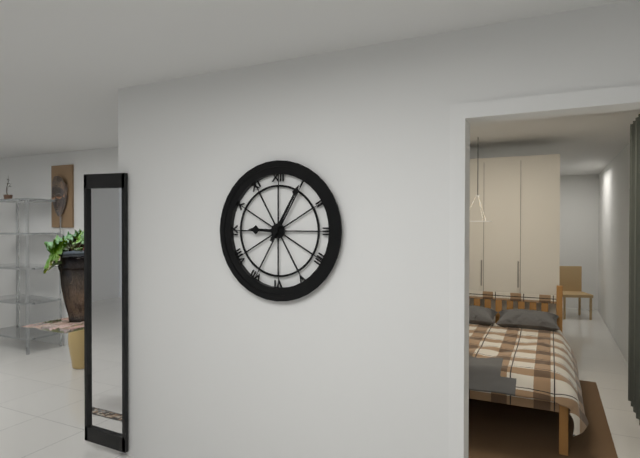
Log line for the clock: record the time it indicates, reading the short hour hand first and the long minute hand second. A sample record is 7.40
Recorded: 9.05
